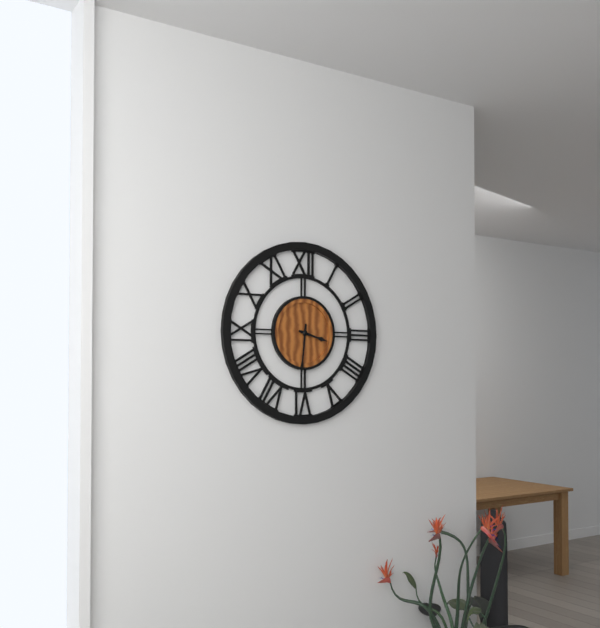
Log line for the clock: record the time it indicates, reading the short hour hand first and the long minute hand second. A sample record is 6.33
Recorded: 3.31
